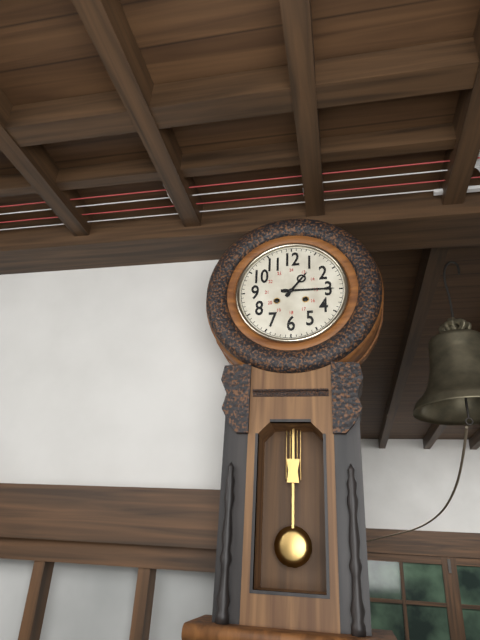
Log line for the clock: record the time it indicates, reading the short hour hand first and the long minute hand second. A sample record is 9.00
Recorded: 1.15
